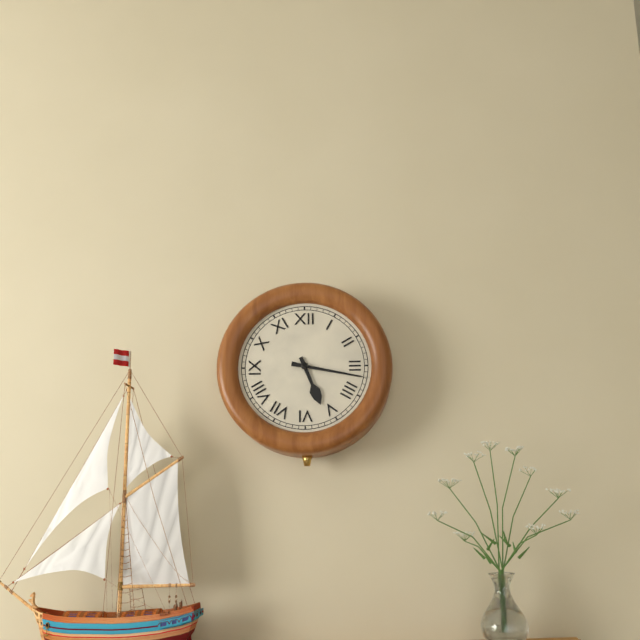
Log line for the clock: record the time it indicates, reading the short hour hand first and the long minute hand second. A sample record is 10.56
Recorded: 5.17
